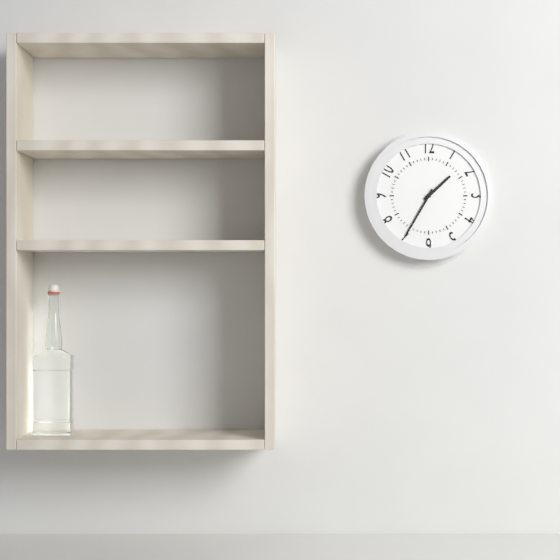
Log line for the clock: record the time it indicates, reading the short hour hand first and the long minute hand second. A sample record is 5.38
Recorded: 1.35
